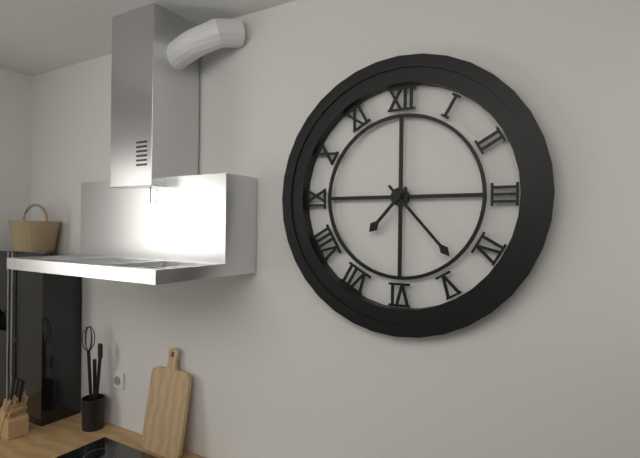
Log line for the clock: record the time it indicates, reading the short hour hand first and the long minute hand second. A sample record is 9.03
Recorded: 7.23
